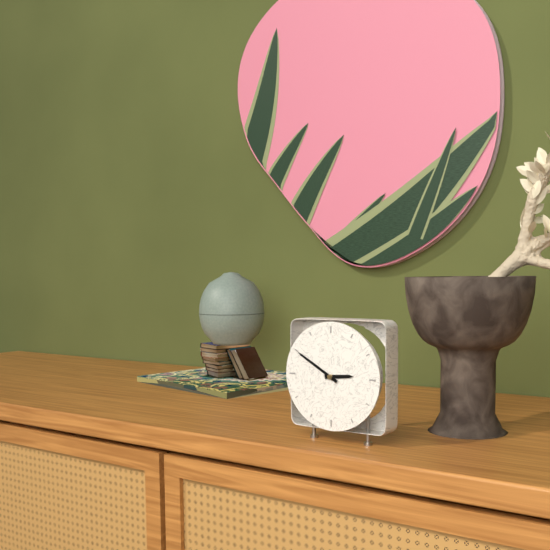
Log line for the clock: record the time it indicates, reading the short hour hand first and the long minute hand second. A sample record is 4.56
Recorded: 2.50
